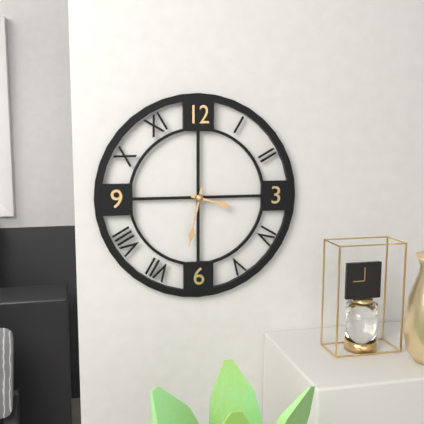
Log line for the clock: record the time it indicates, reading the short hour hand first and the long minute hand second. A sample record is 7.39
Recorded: 3.32
